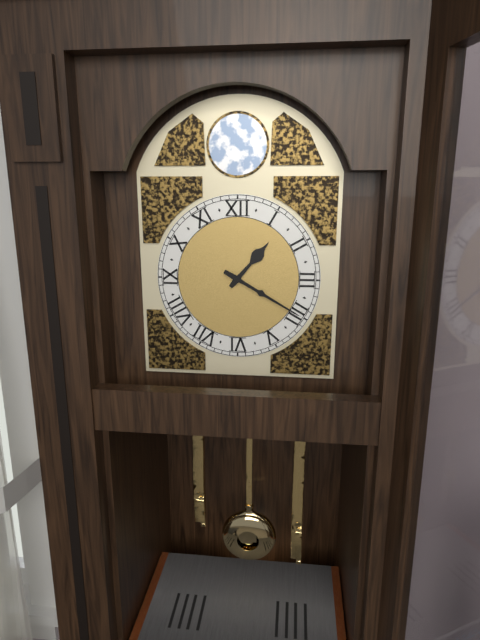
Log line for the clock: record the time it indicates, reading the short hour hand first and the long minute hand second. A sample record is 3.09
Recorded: 1.20
